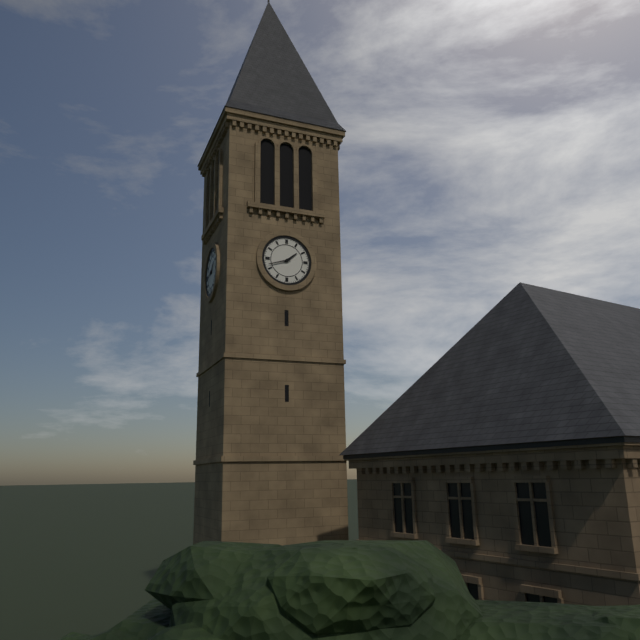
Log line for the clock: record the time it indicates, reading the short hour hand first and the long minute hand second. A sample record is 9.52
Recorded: 1.42
